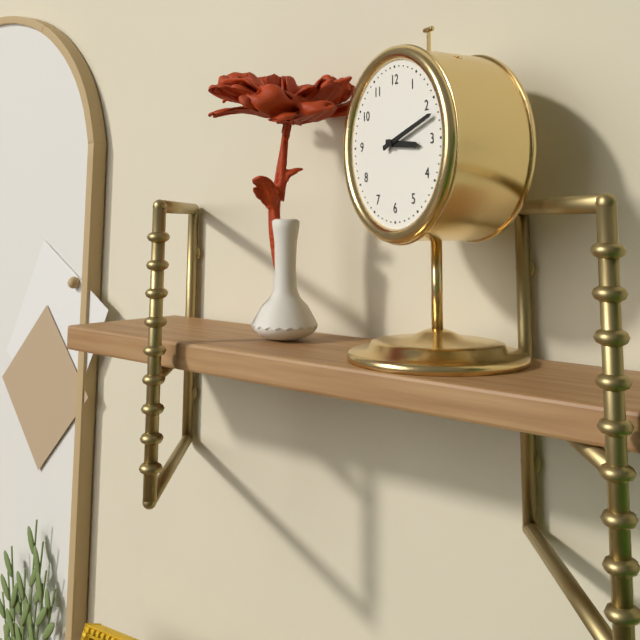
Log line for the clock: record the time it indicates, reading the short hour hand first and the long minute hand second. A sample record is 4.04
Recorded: 3.12
